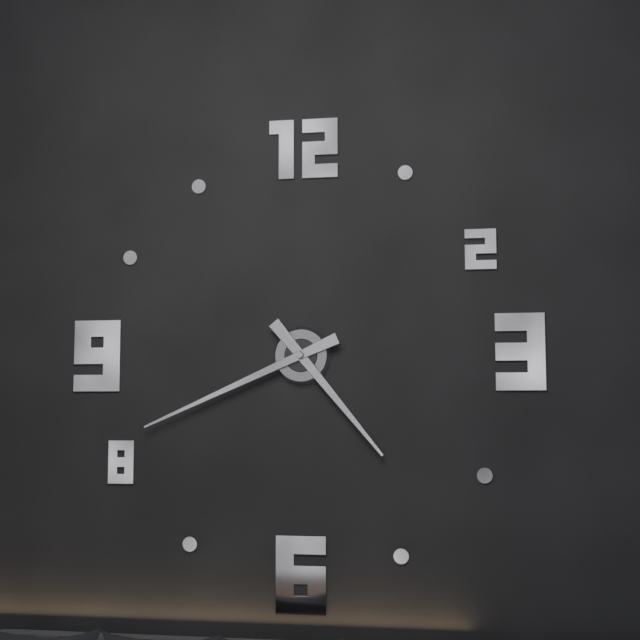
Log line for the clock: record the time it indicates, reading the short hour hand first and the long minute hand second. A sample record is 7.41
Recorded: 4.41
